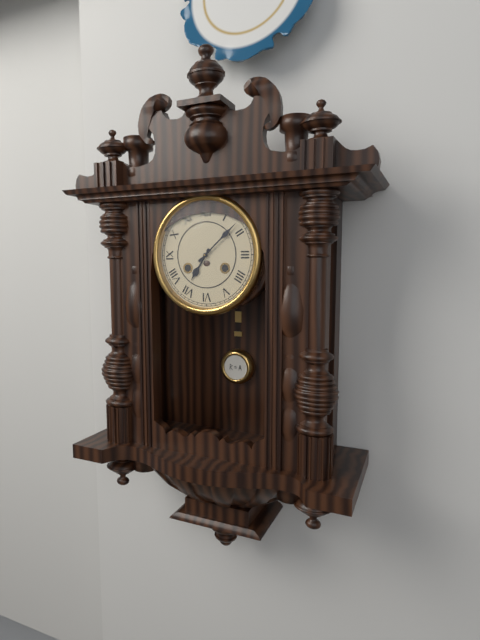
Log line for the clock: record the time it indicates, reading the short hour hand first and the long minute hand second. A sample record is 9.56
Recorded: 7.08
